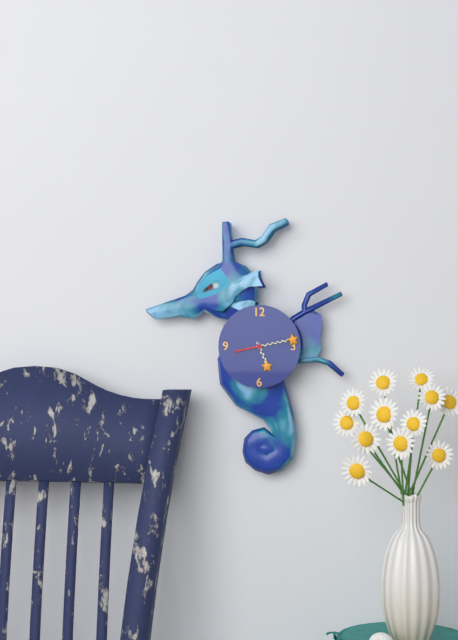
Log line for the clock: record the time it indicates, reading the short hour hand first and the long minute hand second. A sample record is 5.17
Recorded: 5.13
